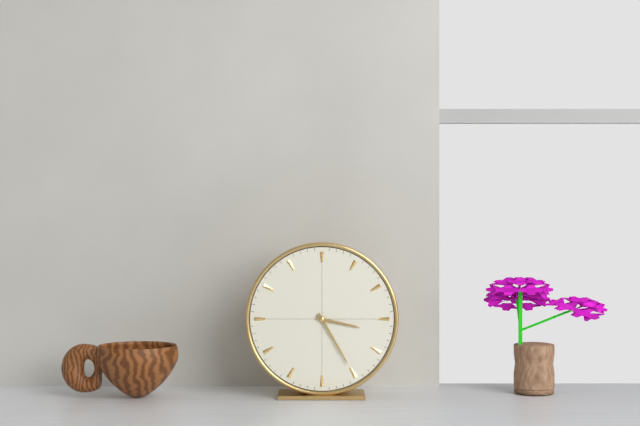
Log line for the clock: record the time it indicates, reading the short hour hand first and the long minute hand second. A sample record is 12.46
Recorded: 3.25
